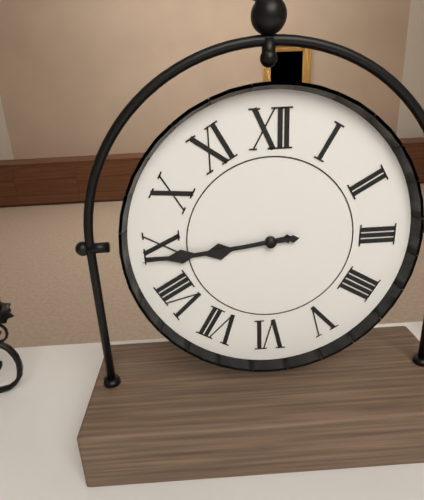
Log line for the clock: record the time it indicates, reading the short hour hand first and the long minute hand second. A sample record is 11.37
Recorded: 8.44
